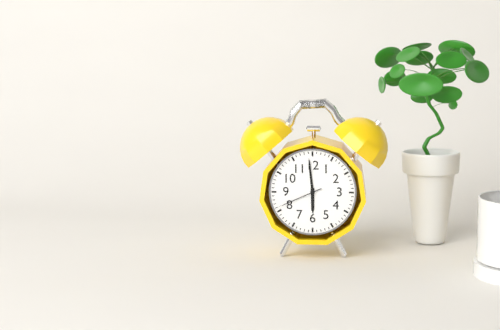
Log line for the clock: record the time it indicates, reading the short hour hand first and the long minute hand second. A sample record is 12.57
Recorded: 5.59
